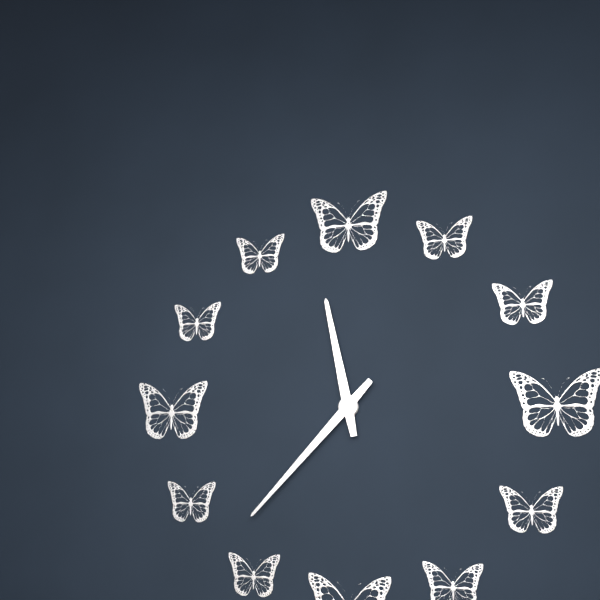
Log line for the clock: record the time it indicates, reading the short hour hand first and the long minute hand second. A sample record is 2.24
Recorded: 11.37
